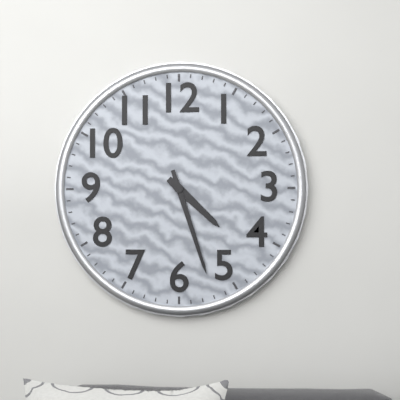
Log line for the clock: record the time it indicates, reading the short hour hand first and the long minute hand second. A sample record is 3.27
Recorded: 4.27
